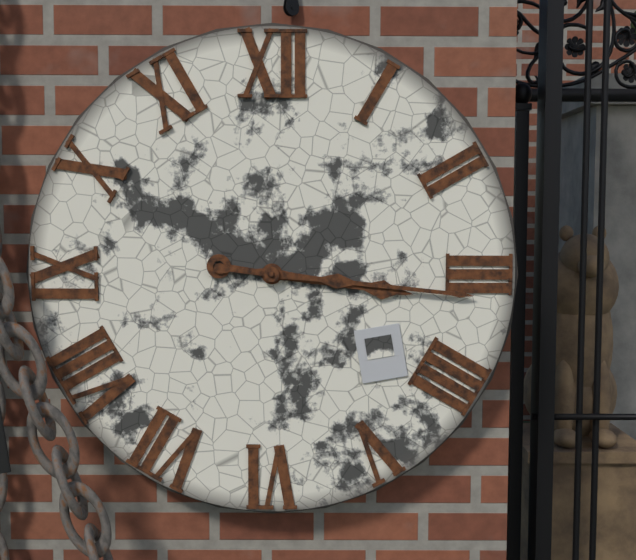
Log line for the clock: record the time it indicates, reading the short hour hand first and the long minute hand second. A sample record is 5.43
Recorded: 3.16
